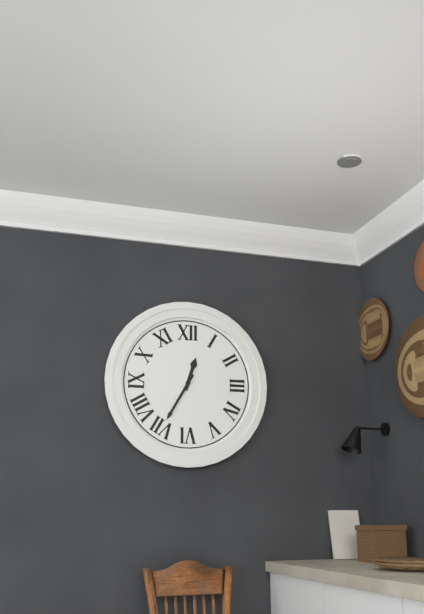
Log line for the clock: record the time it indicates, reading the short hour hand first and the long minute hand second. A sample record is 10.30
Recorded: 12.35
